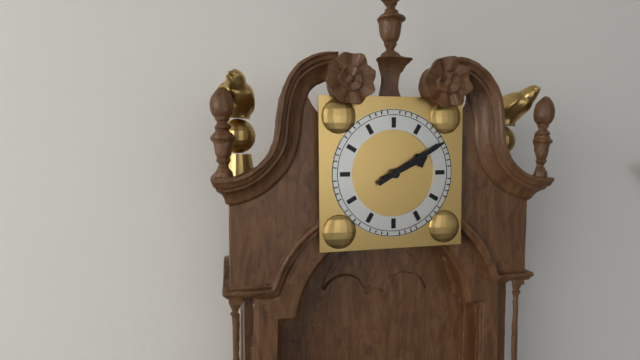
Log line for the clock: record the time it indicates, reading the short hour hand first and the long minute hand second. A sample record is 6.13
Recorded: 2.10
